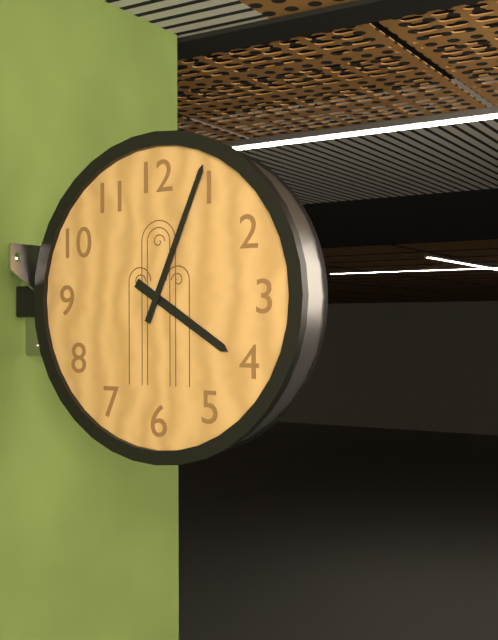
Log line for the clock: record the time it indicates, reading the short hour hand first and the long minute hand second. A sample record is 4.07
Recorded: 4.04
